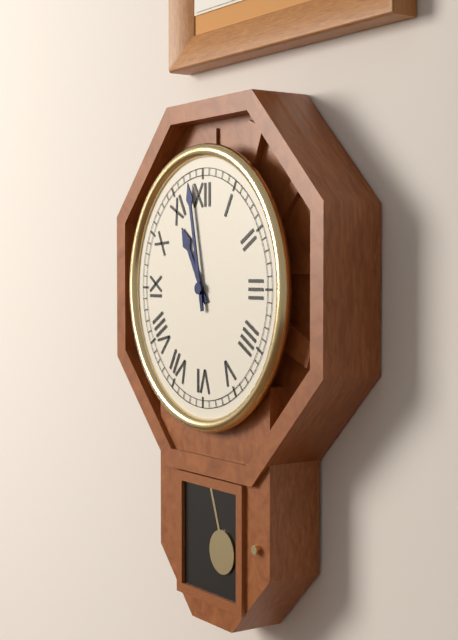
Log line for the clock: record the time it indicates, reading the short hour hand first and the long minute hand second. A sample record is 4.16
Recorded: 10.58
